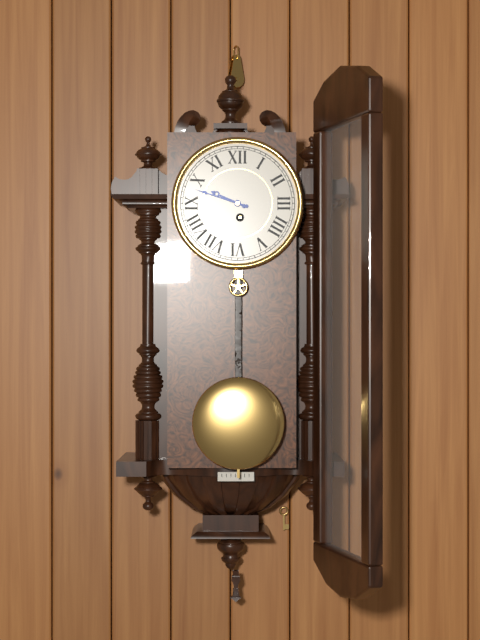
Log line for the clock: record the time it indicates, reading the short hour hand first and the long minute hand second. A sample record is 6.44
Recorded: 9.48
